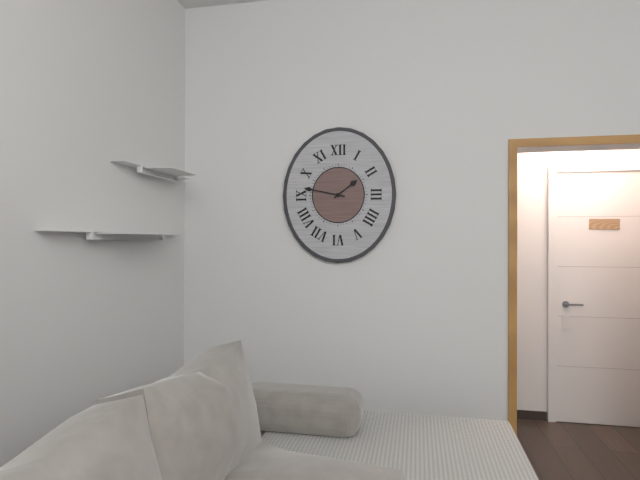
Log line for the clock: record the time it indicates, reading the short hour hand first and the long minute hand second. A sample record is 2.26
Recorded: 1.47
